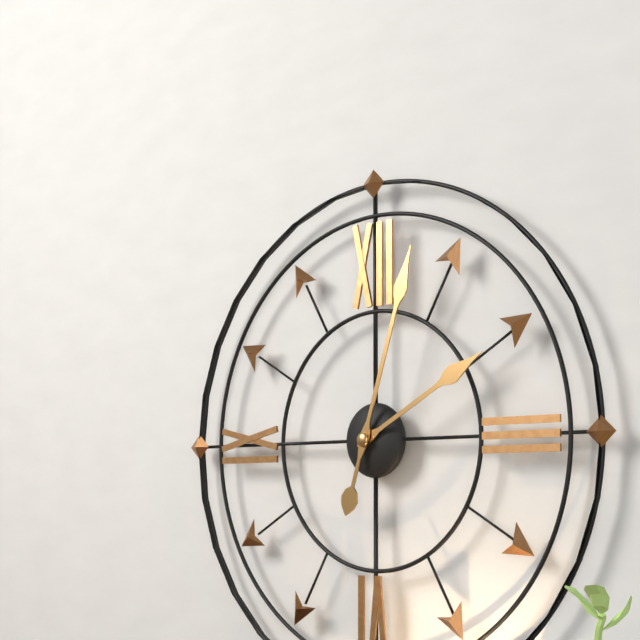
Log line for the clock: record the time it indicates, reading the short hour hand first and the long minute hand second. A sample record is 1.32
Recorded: 2.03
